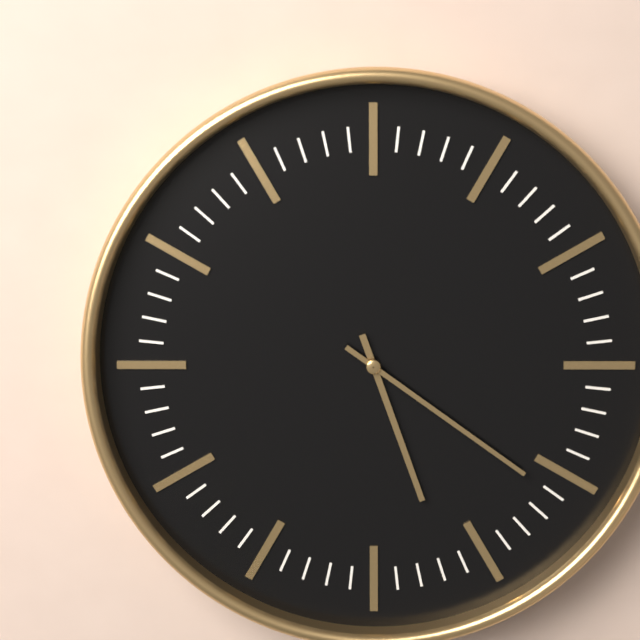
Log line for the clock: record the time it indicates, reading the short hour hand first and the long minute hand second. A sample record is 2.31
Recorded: 5.21
